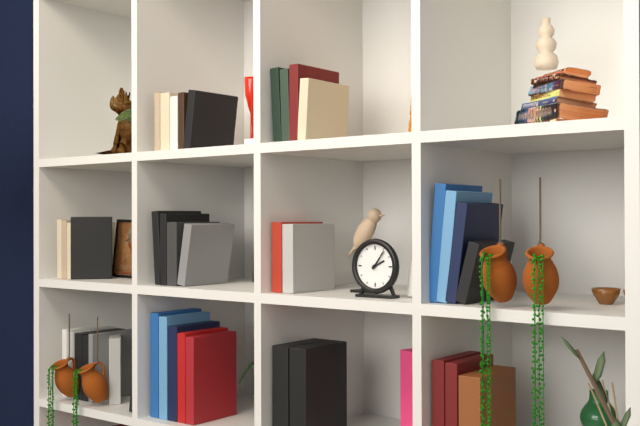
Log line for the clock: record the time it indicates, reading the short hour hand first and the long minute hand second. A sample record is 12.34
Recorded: 2.06
